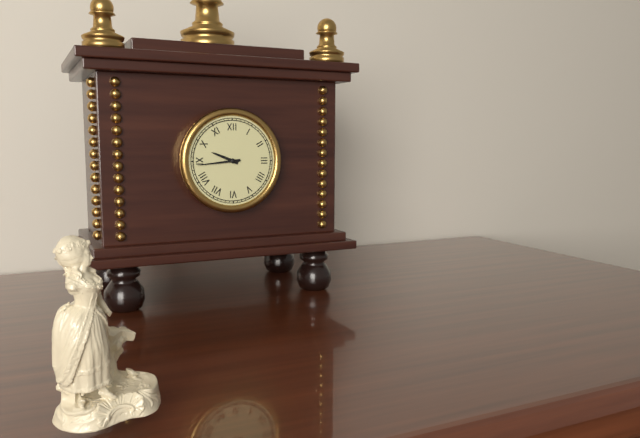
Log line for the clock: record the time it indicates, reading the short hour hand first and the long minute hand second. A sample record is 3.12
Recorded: 9.44
